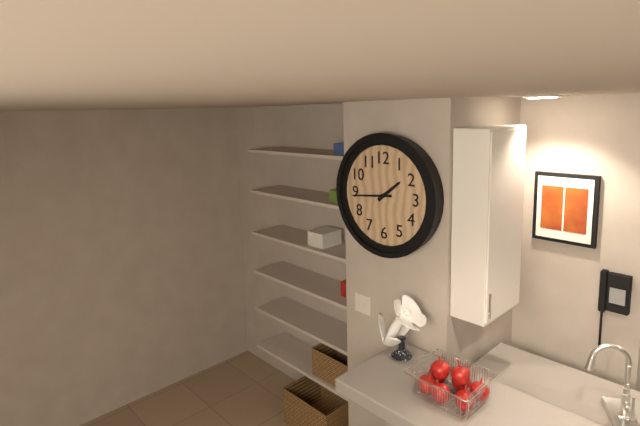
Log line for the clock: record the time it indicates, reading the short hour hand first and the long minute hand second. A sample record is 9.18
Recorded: 1.44
